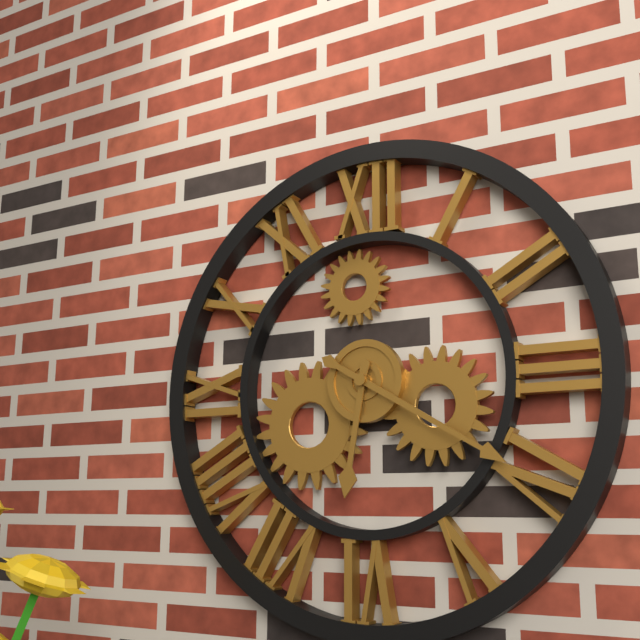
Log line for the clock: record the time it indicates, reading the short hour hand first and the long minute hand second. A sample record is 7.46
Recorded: 6.20
